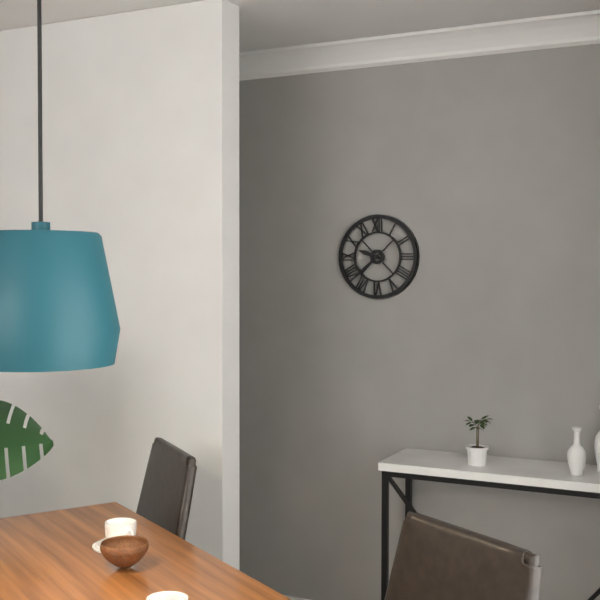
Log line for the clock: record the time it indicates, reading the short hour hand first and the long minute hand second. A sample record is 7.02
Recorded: 9.38
